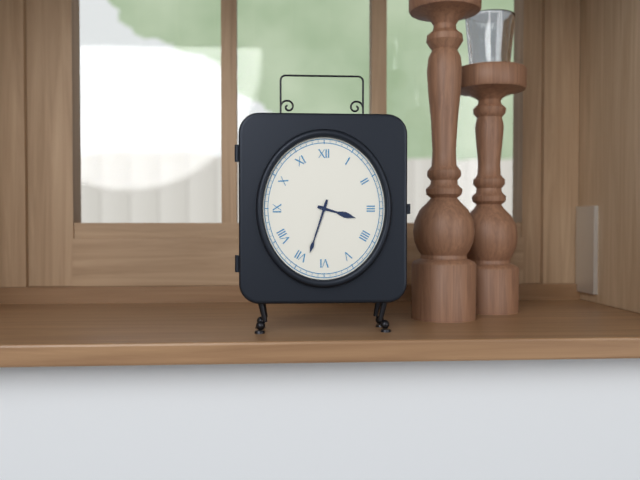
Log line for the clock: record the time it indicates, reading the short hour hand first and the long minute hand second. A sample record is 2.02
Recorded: 3.33
